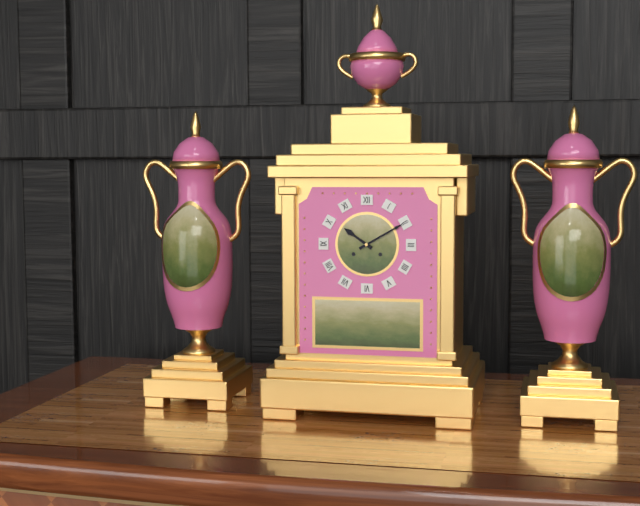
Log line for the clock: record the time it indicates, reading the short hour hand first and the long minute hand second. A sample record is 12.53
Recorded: 10.10
